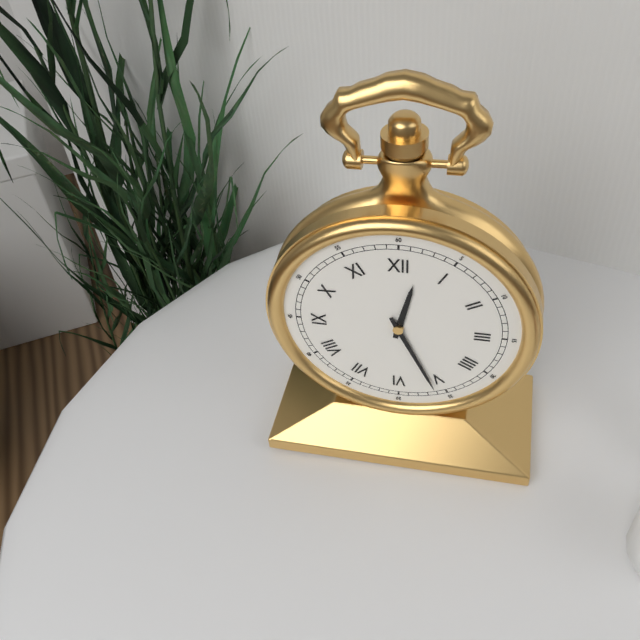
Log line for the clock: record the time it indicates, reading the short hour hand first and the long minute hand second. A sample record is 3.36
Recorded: 12.26
